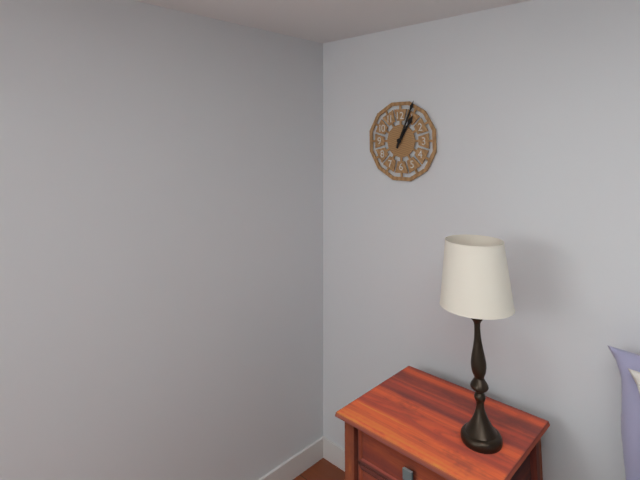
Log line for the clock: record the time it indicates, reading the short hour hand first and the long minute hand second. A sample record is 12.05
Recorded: 1.04
